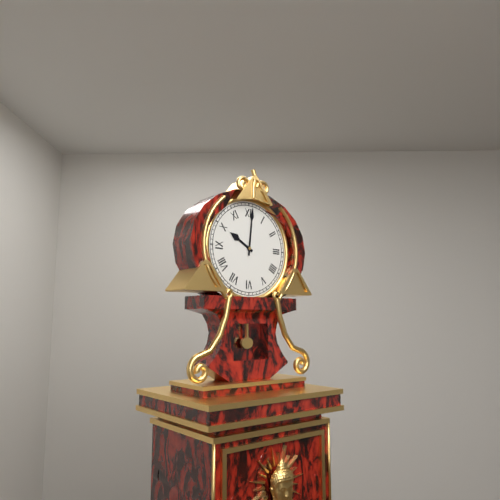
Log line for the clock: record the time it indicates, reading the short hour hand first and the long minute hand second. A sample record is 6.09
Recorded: 10.01
